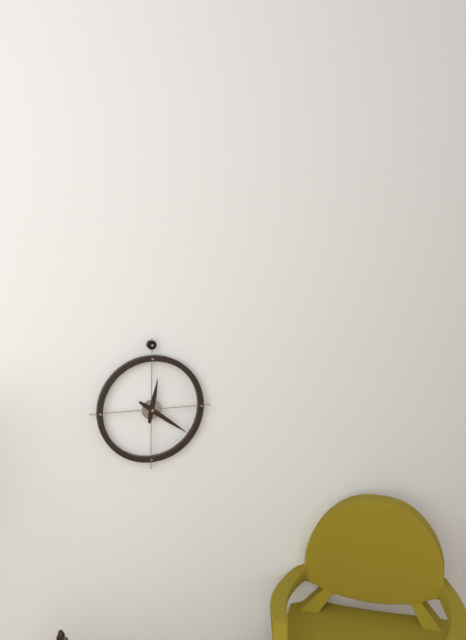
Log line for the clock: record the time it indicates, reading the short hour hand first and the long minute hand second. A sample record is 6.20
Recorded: 12.21
